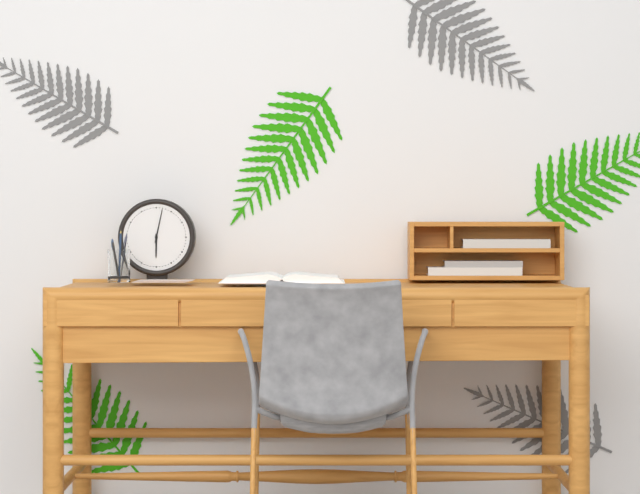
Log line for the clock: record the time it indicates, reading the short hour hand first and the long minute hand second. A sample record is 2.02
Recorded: 6.02
